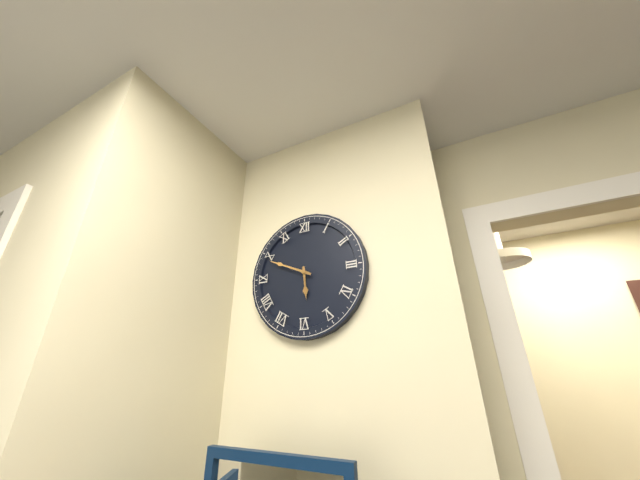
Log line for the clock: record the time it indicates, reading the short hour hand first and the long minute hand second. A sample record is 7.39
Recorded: 5.49
